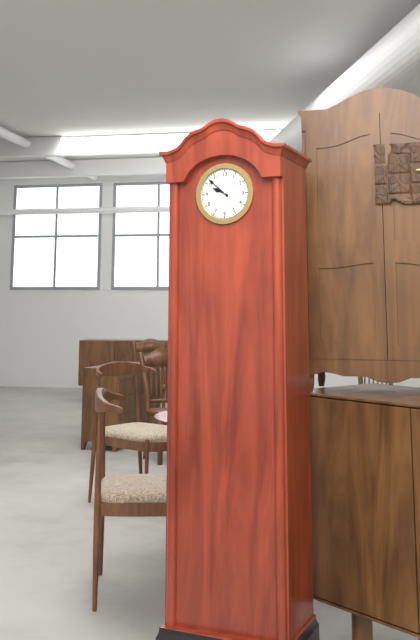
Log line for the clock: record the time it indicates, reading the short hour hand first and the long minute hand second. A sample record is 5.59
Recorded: 9.52
